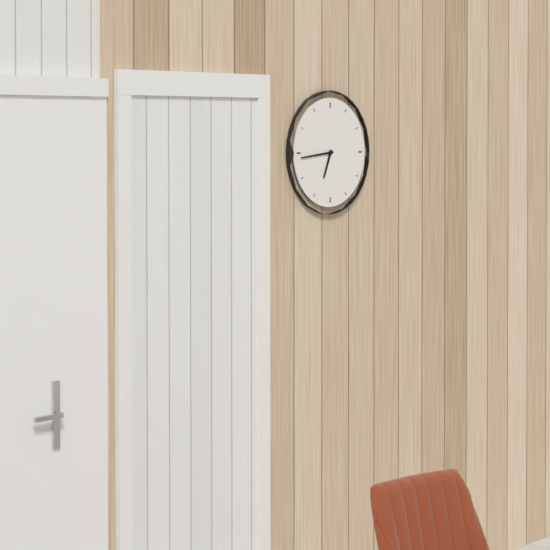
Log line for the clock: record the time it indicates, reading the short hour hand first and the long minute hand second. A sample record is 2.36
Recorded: 6.44
